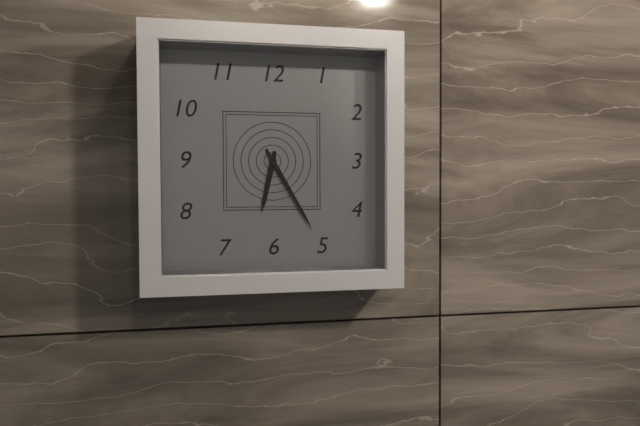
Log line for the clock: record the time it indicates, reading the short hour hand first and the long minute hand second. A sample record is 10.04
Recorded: 6.25
